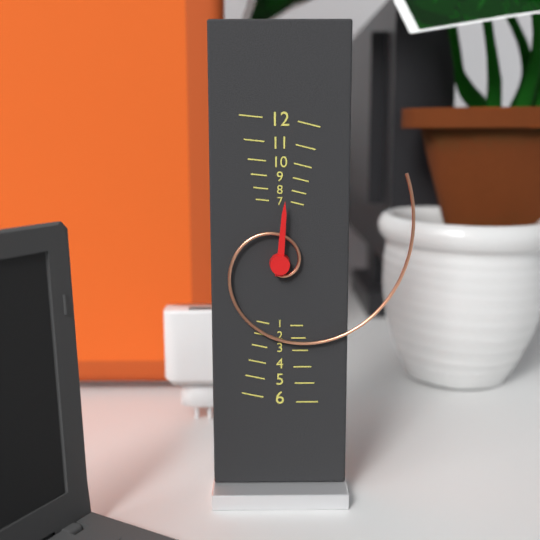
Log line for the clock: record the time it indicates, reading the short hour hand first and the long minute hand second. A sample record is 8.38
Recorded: 12.09
